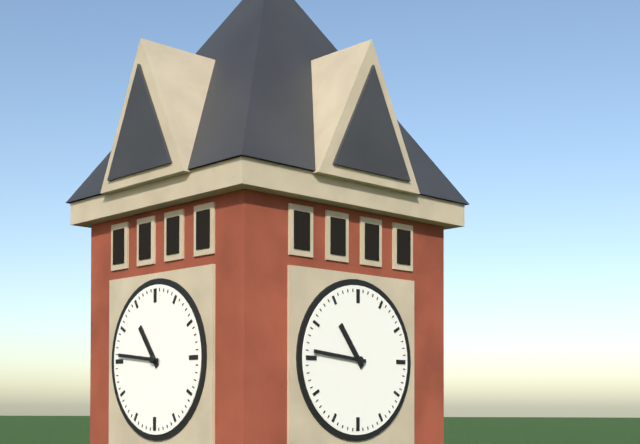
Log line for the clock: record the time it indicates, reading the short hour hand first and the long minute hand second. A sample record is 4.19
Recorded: 10.46
